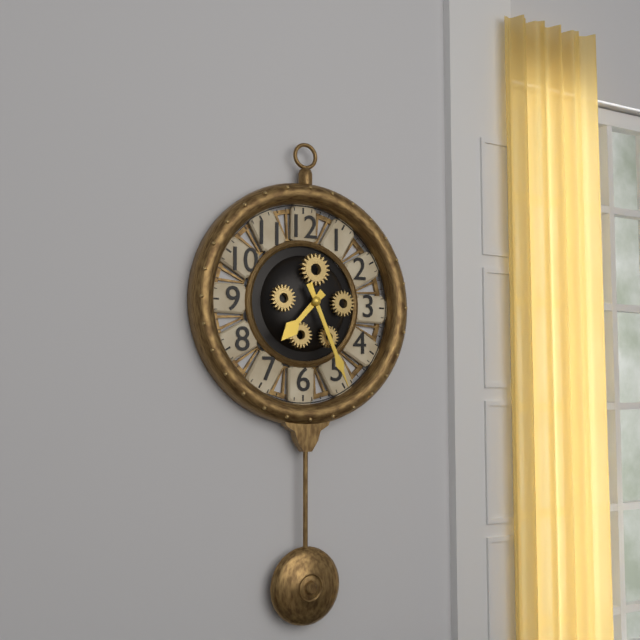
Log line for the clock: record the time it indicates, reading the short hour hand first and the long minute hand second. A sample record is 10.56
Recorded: 7.26
